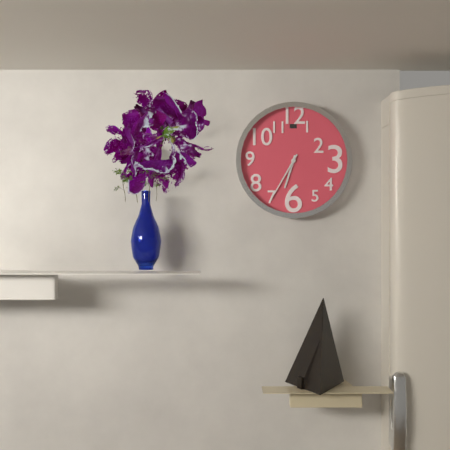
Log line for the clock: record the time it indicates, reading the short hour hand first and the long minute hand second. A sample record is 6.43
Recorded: 6.35
